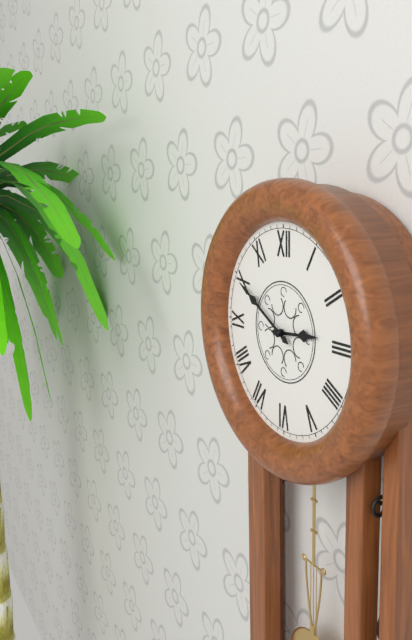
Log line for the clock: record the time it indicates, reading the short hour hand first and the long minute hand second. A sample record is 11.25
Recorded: 2.50
